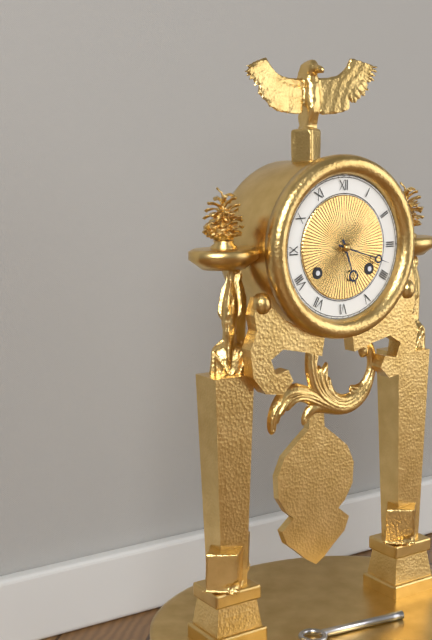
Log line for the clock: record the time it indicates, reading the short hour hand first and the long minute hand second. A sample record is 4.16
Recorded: 5.18
